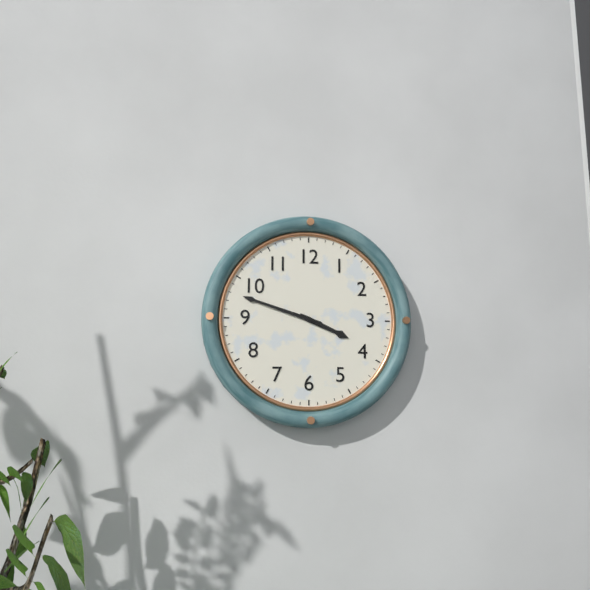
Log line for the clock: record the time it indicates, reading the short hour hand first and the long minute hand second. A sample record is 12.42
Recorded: 3.48
